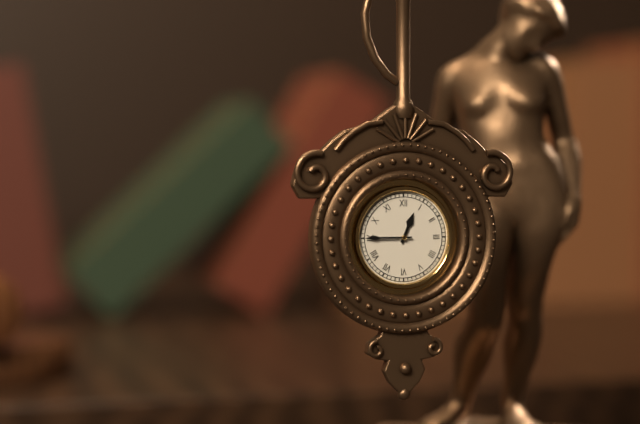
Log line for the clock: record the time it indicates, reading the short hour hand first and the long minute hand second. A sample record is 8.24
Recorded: 12.45
